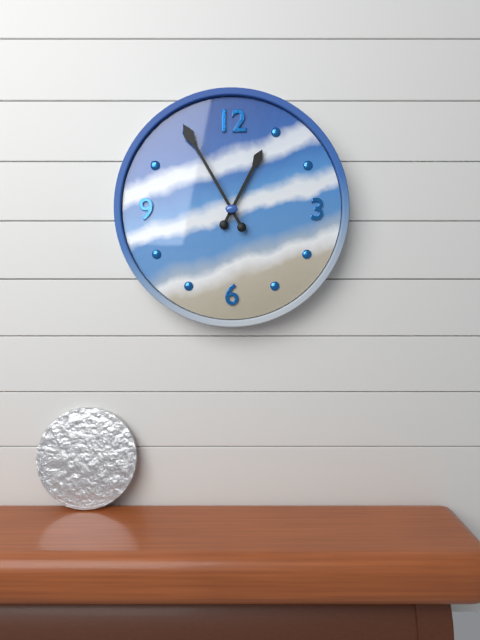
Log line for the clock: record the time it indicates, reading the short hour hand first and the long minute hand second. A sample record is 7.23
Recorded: 12.55
